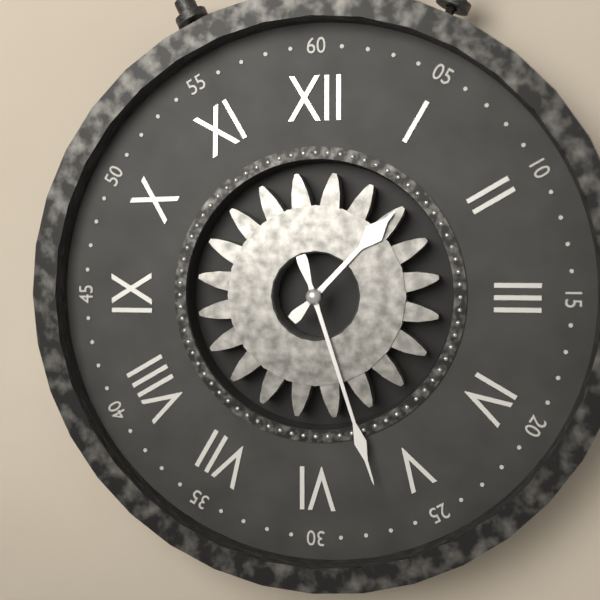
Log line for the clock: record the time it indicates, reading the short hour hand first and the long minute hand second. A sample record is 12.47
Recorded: 1.27
